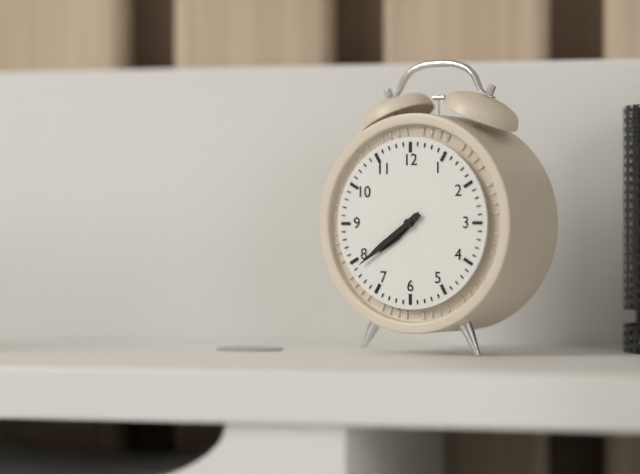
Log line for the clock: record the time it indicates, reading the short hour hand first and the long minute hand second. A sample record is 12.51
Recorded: 7.39
